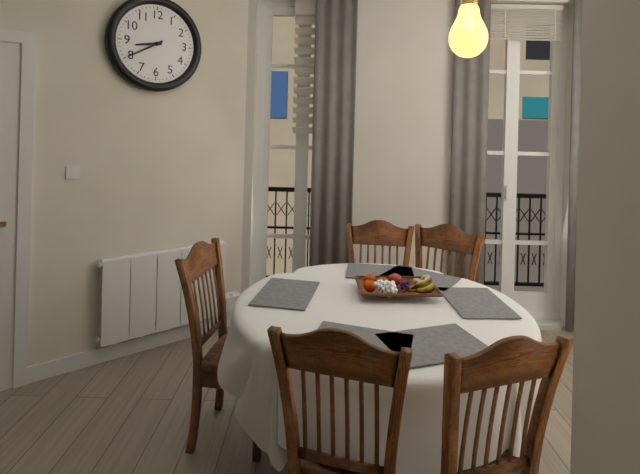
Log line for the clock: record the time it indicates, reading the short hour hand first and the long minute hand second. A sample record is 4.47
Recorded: 8.40
